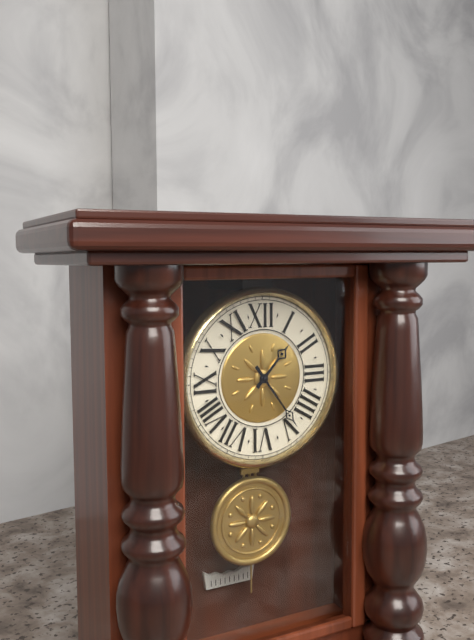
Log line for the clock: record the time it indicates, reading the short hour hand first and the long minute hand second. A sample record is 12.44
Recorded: 1.24
